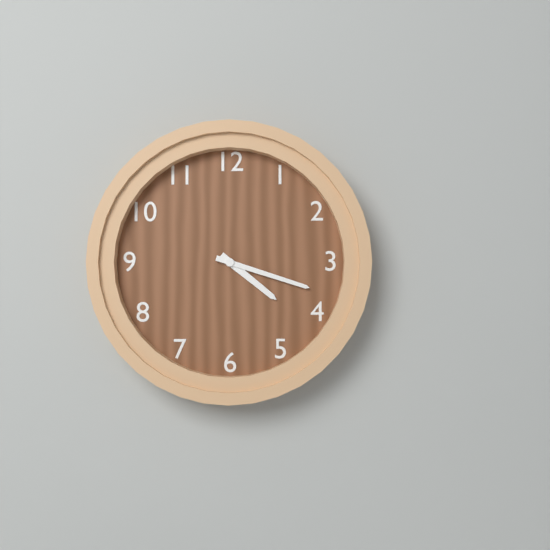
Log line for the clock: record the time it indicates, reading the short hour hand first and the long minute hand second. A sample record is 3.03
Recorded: 4.18
